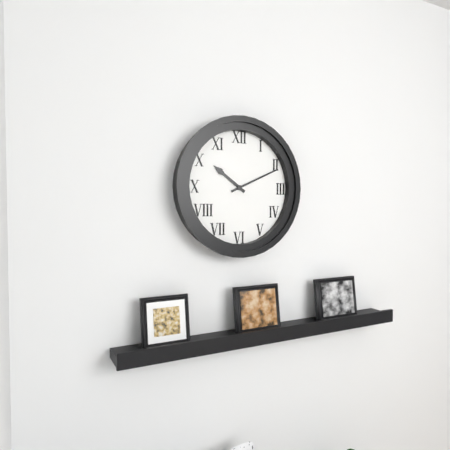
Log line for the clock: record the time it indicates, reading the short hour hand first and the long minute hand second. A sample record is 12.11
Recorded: 10.11
